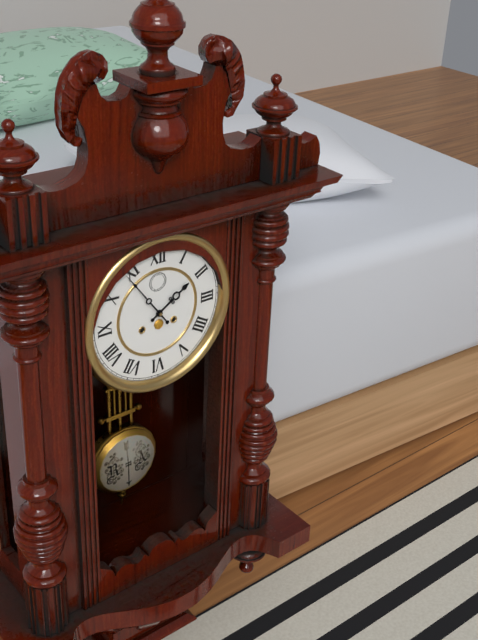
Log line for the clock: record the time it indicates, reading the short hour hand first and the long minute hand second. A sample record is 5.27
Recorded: 1.54
